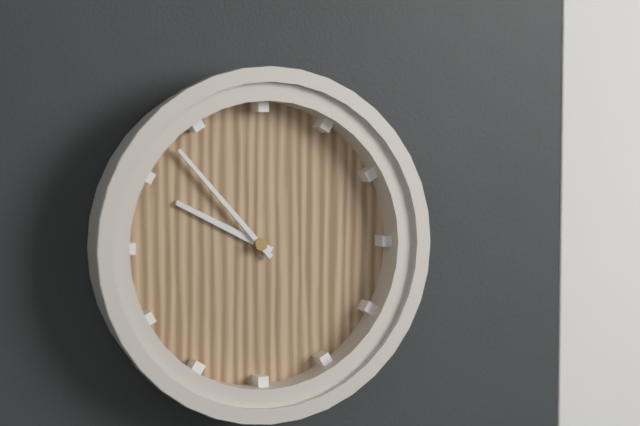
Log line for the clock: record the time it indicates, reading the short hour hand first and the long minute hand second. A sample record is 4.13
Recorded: 9.53
